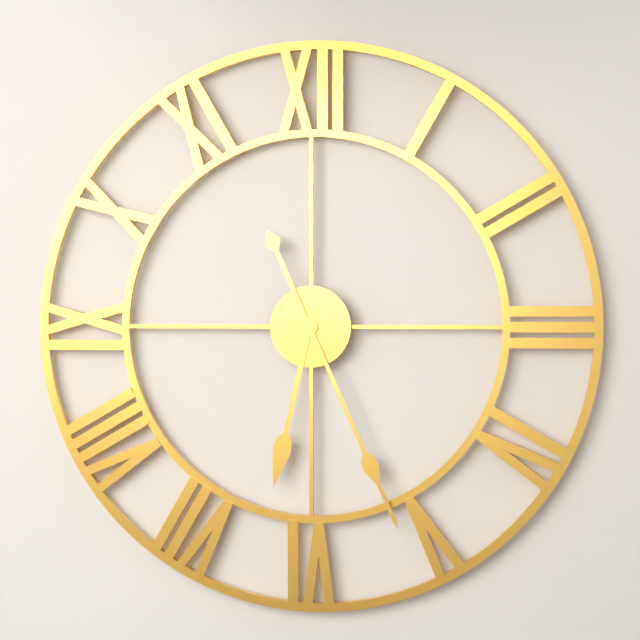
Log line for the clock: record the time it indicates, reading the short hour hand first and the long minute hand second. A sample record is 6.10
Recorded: 6.26
